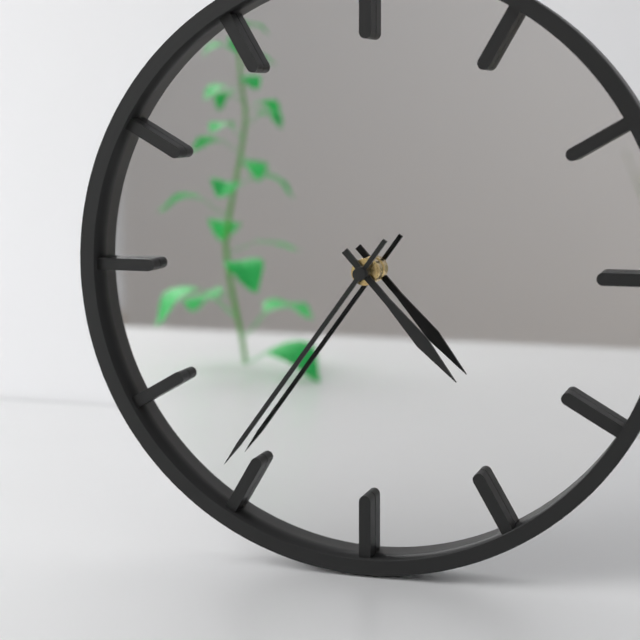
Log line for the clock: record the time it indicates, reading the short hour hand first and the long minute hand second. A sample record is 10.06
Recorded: 4.36
